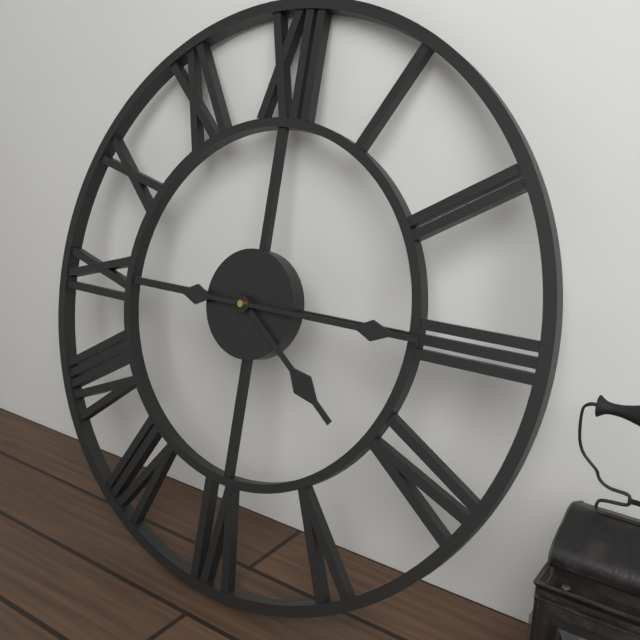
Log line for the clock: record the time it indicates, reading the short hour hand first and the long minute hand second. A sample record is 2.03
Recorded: 4.15
